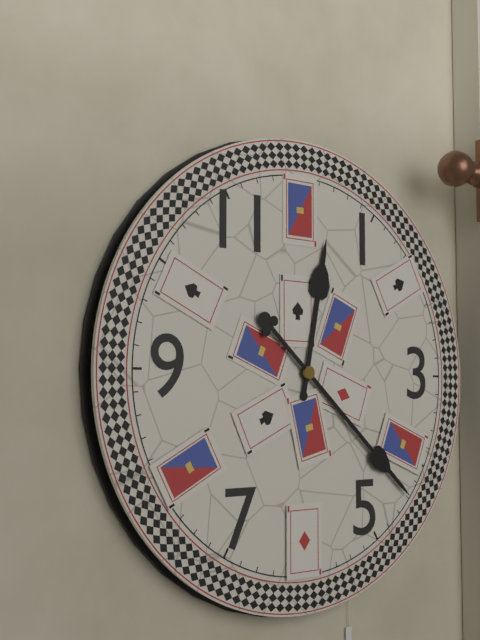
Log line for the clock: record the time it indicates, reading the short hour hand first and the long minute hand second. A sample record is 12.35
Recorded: 12.22
